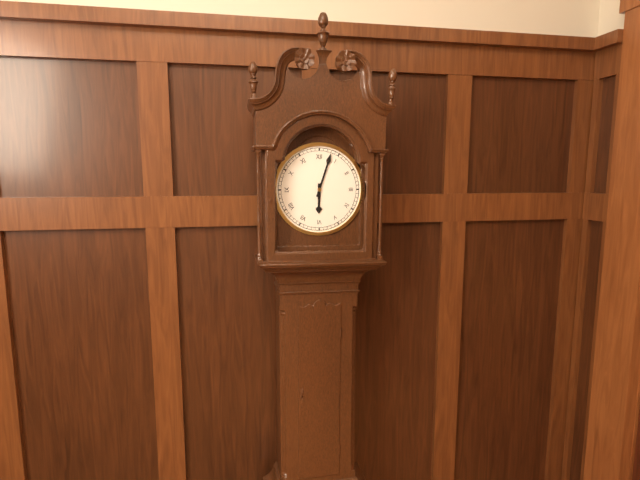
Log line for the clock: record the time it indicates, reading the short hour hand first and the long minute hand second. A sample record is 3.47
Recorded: 6.03
